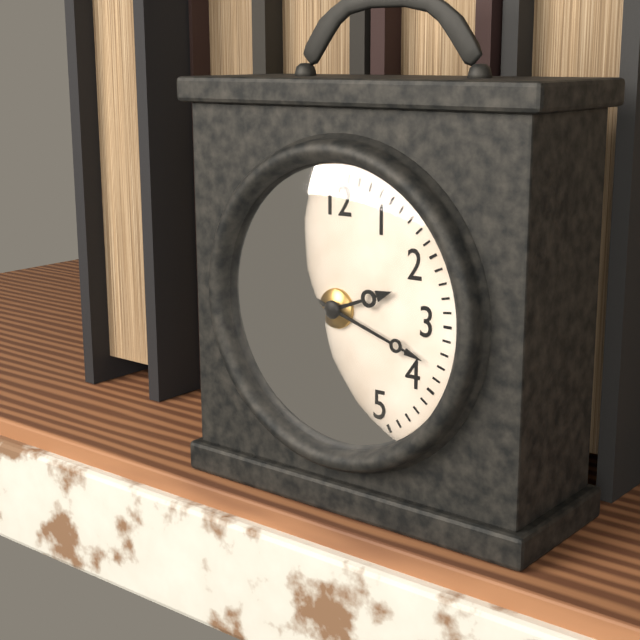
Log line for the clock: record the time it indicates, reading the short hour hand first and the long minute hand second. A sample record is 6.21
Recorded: 2.18
